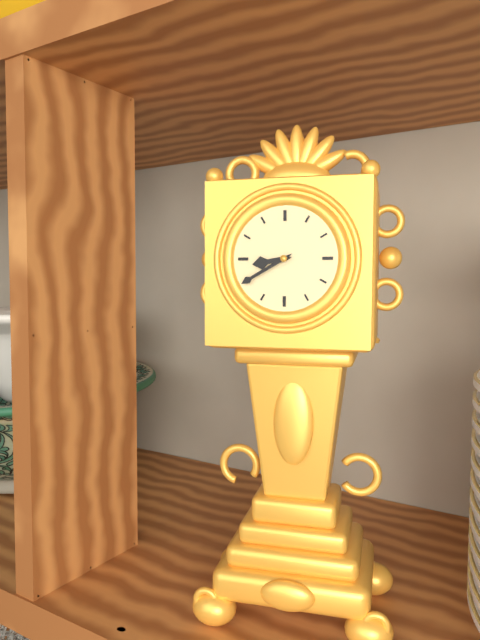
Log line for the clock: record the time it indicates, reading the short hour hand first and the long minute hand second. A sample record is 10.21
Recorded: 8.40
